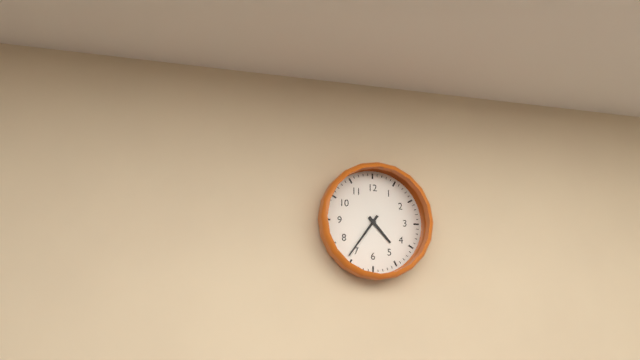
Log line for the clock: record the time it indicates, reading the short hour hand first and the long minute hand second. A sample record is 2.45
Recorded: 4.36
